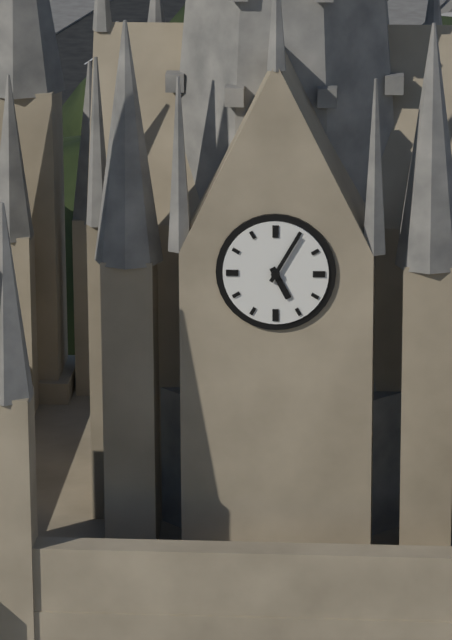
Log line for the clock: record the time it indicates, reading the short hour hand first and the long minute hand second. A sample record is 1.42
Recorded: 5.05
